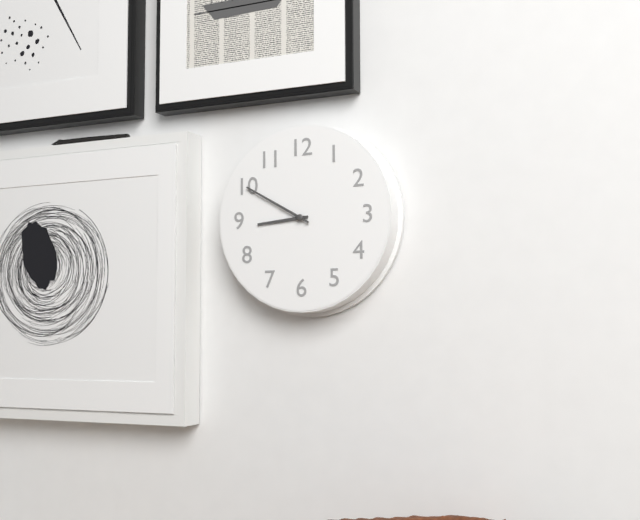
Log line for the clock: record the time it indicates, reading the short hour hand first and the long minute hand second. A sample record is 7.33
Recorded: 8.50
